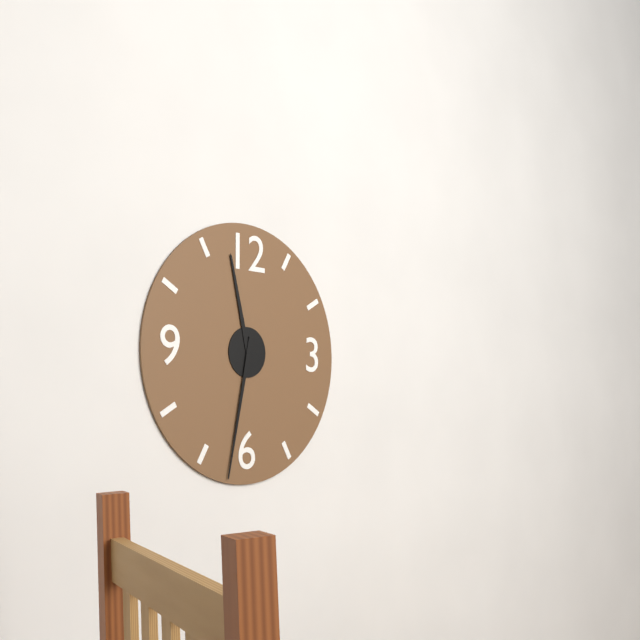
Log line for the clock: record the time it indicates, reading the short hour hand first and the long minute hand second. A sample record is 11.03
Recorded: 11.32
